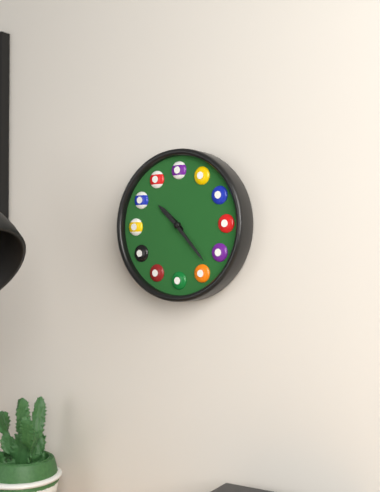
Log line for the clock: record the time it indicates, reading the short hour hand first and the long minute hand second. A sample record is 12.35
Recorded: 10.23
